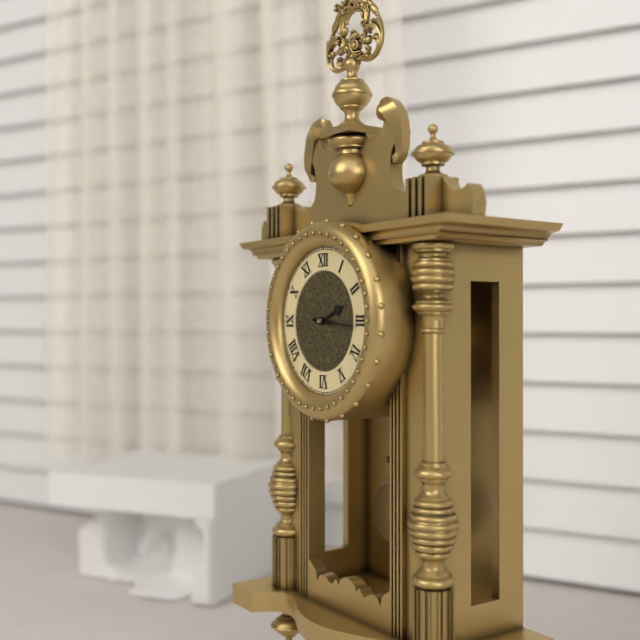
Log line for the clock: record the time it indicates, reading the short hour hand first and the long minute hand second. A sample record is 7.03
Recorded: 2.16
